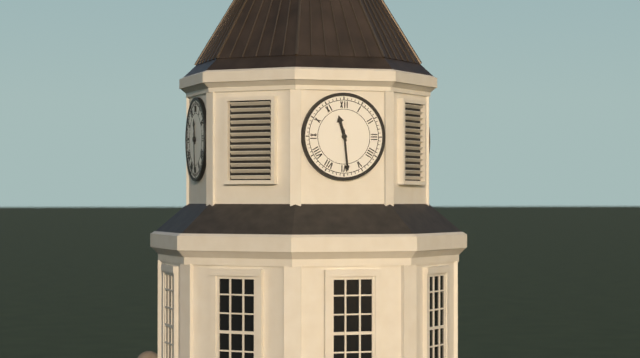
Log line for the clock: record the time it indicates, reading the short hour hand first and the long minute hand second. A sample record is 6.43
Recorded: 11.29
